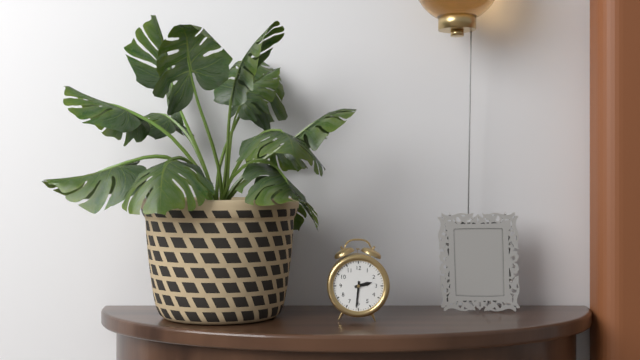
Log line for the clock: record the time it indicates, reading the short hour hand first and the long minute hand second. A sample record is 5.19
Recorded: 2.31
